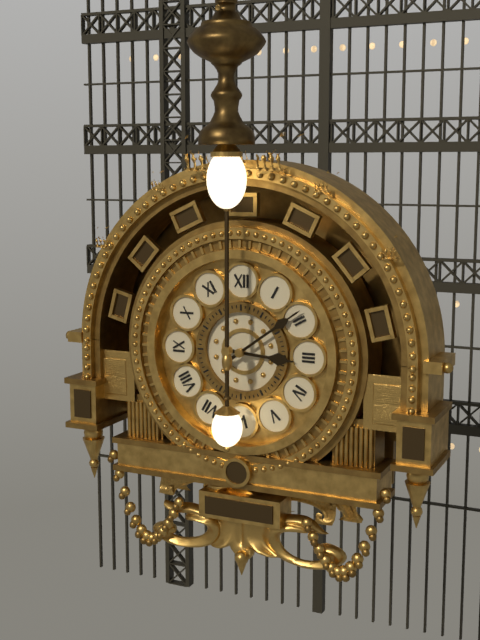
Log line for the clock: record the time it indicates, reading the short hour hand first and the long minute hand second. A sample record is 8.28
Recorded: 3.09
